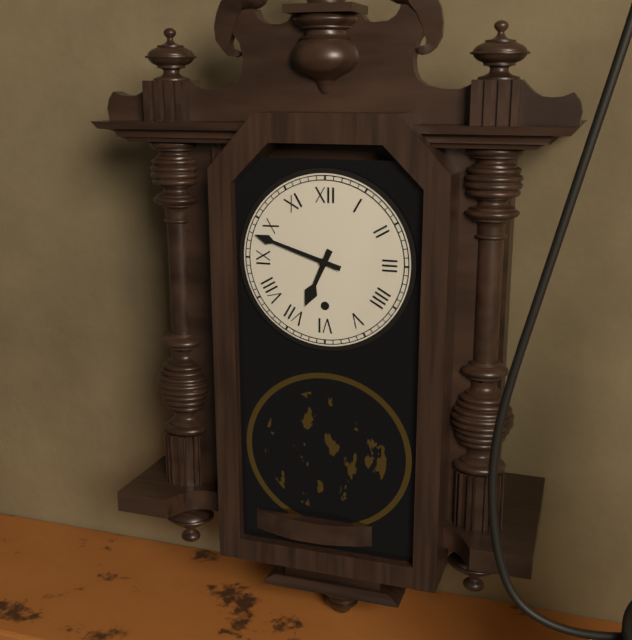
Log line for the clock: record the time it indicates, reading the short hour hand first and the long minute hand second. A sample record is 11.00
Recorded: 6.48
